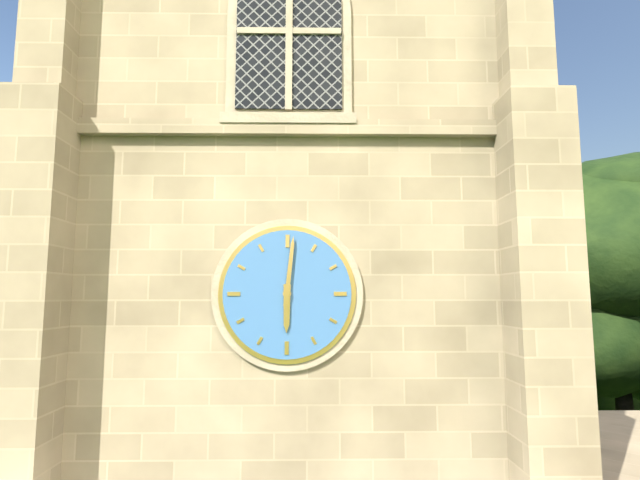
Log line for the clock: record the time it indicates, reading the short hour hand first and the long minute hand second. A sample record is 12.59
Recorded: 6.01
